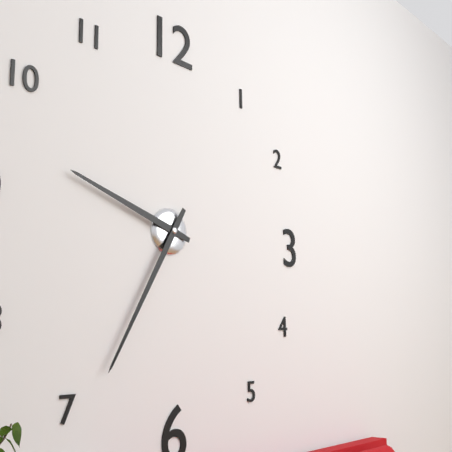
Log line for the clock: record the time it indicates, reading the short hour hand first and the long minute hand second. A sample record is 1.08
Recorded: 9.35
